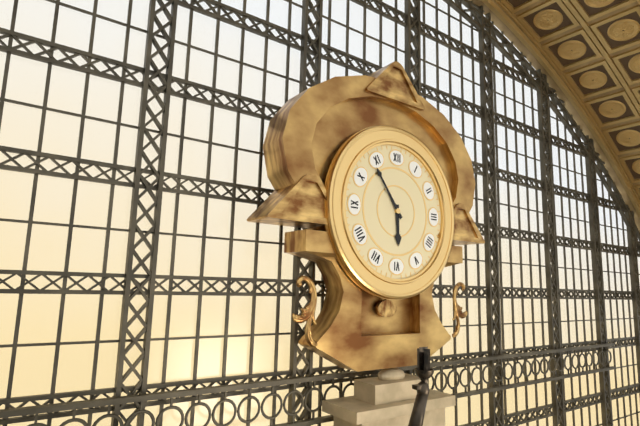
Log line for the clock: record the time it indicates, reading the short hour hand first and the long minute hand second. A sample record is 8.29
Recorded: 5.54
